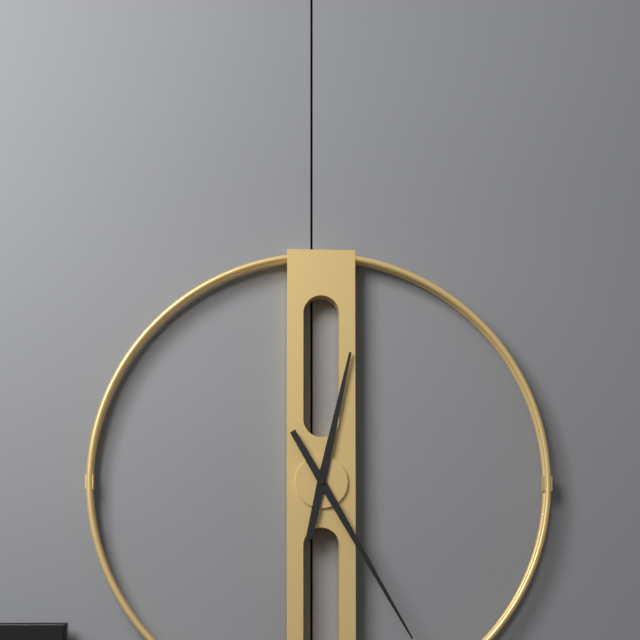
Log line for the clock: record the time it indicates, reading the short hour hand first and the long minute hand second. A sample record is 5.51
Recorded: 12.25
